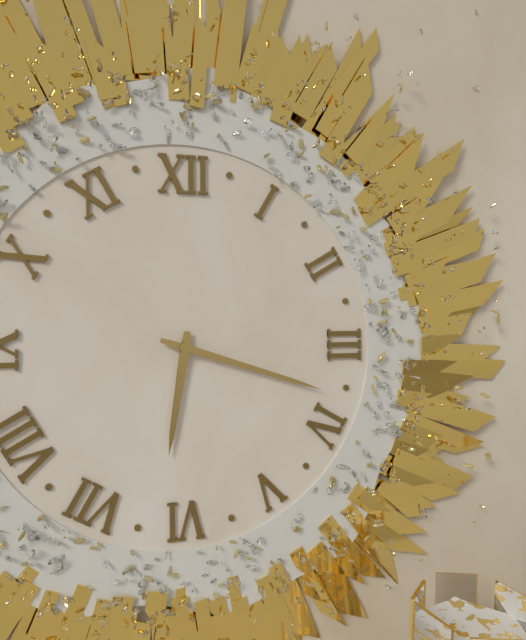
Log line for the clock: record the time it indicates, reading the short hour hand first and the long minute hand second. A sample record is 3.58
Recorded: 6.18
